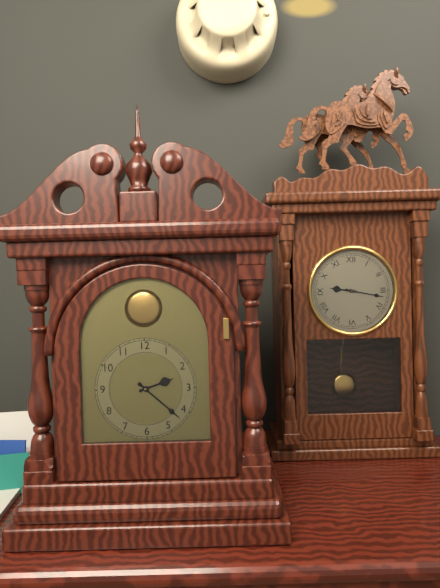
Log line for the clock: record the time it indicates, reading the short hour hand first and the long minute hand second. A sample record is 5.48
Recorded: 2.22
